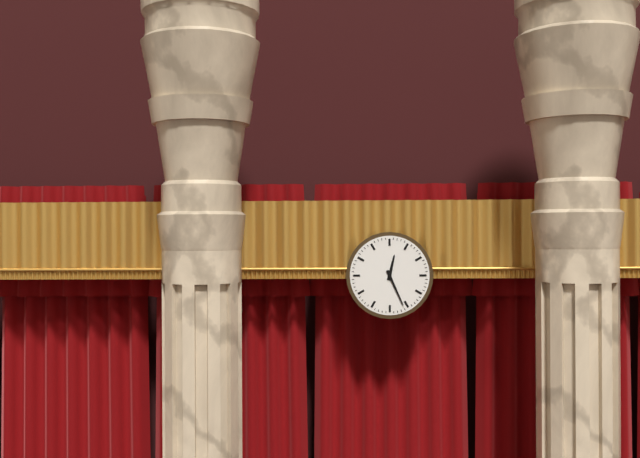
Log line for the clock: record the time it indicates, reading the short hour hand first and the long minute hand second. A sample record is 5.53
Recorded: 12.26
